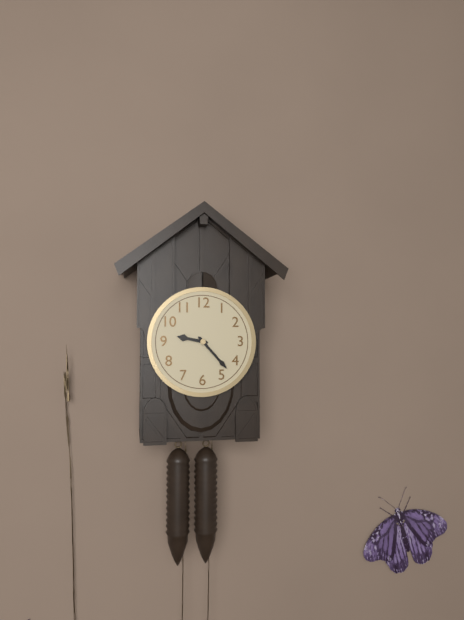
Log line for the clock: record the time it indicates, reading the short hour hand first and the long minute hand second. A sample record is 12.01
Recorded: 9.23
